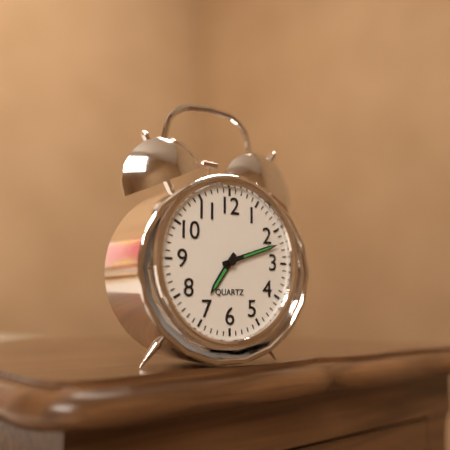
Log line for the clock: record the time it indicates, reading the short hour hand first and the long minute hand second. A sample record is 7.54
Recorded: 7.12
